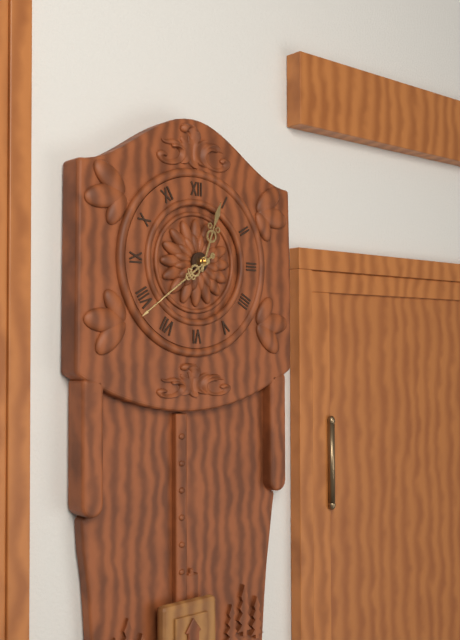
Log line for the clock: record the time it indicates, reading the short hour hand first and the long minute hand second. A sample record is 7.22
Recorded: 12.39
